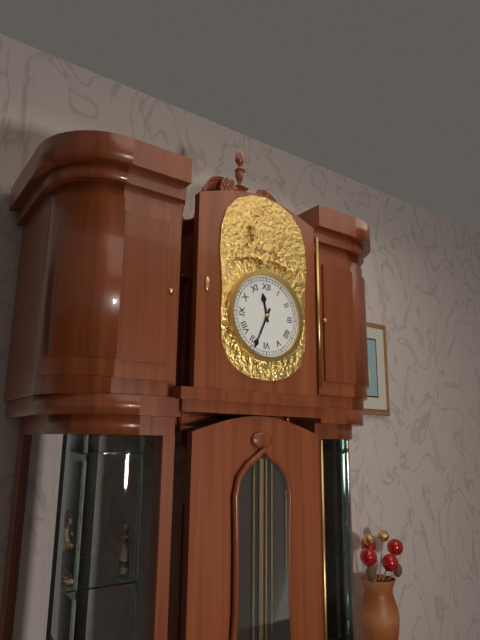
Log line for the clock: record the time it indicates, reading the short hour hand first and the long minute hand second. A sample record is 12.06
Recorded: 11.34
